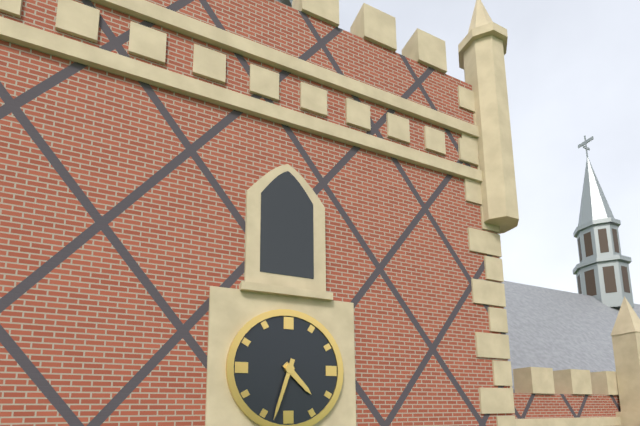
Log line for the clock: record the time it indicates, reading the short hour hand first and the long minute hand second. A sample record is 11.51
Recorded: 4.33
